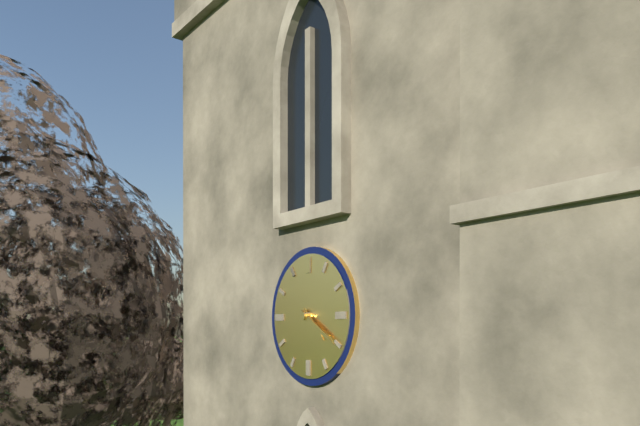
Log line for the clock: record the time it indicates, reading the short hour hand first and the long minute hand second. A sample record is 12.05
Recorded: 4.20
